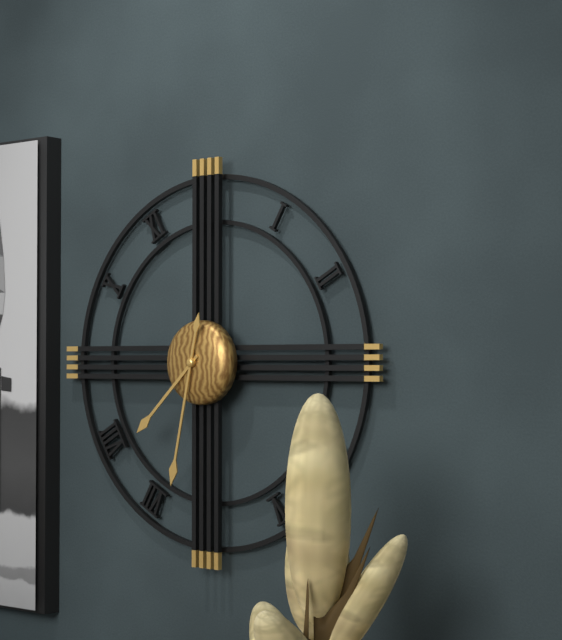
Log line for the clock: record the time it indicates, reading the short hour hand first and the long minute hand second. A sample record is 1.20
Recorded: 7.32
